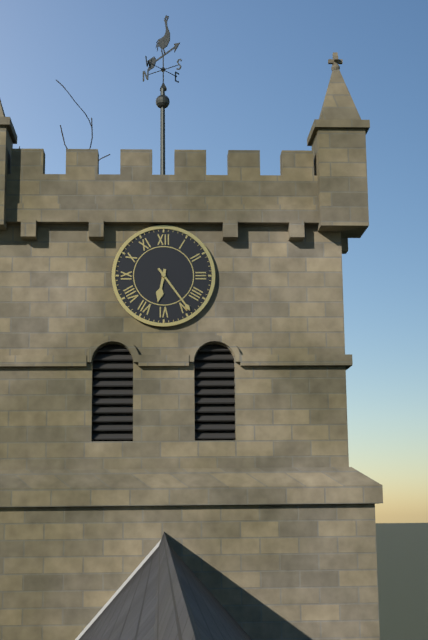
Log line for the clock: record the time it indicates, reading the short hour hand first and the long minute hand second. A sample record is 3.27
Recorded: 6.24
